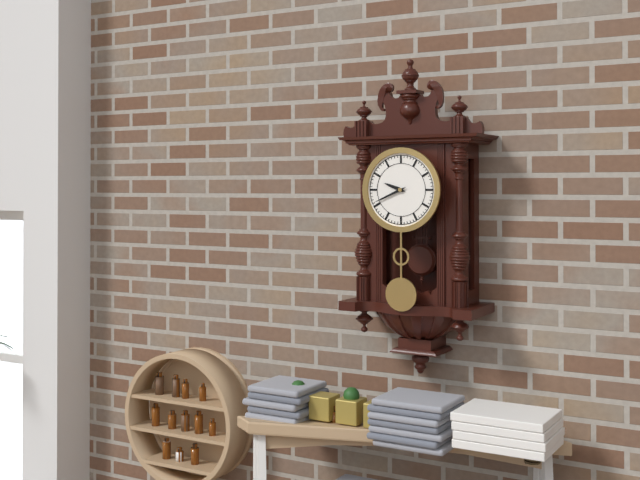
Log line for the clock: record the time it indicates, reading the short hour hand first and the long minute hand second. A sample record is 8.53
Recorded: 9.41
